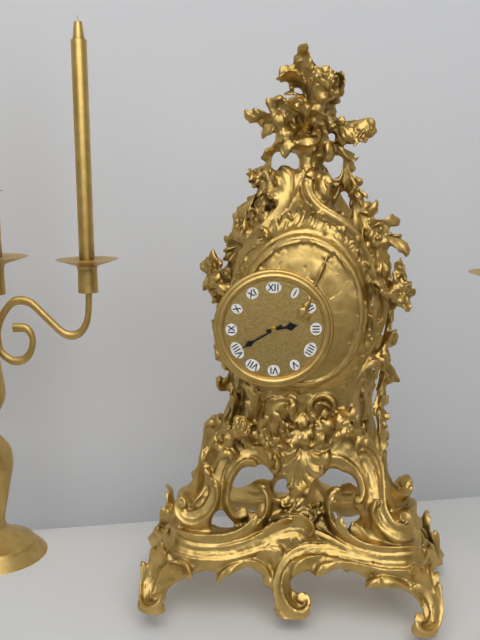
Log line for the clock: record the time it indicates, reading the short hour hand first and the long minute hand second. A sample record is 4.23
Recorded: 2.40
